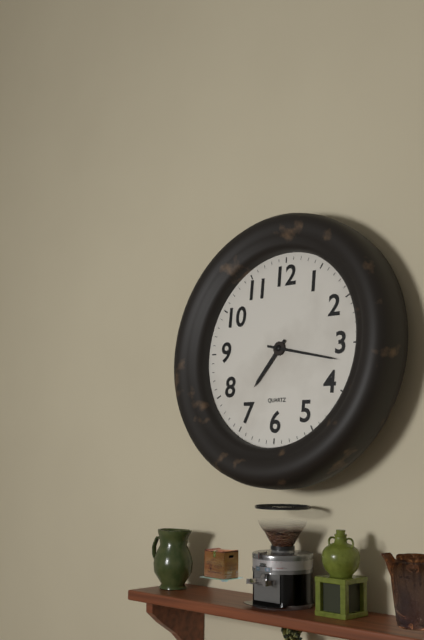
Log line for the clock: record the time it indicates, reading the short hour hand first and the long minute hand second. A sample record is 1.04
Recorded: 7.17
